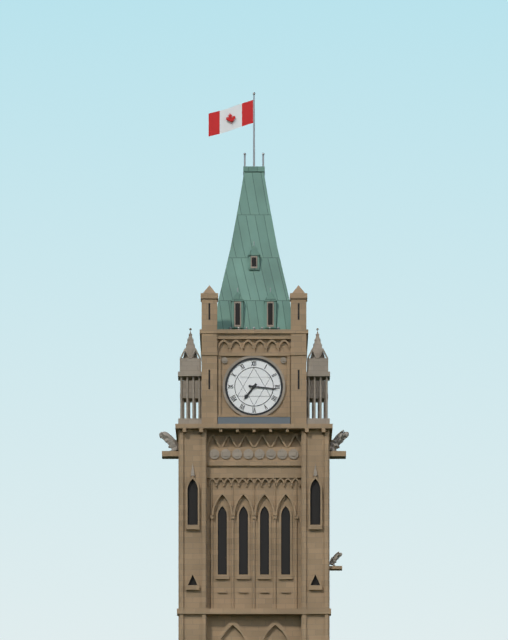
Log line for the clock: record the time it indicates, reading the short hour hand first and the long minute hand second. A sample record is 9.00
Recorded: 7.16
